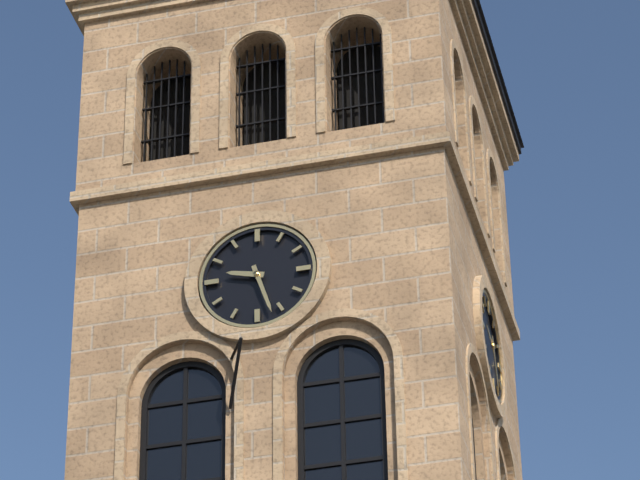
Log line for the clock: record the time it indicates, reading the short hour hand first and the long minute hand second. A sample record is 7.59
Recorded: 9.27
